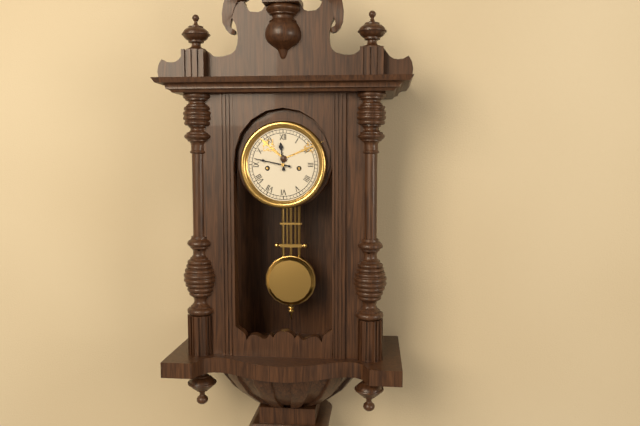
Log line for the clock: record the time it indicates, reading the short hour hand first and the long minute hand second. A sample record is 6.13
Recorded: 11.47
